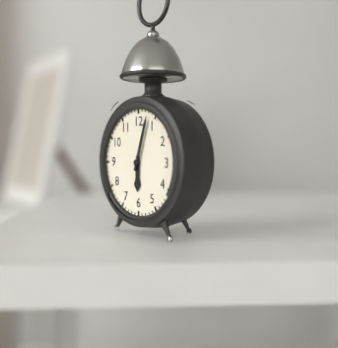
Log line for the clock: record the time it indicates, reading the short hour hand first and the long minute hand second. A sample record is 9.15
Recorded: 6.03
